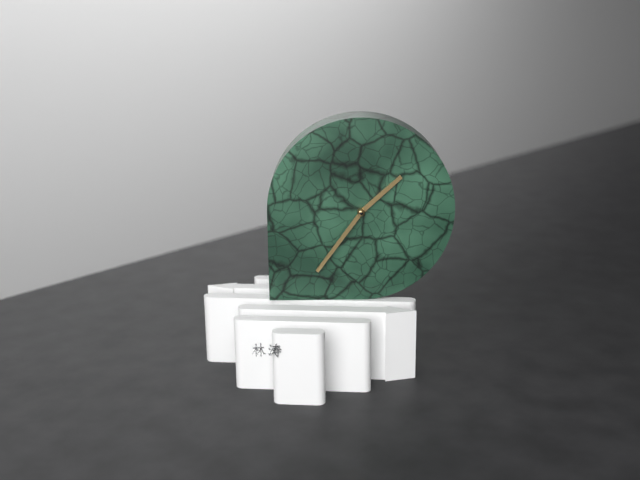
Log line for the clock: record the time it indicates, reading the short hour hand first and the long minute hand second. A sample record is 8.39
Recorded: 1.36
